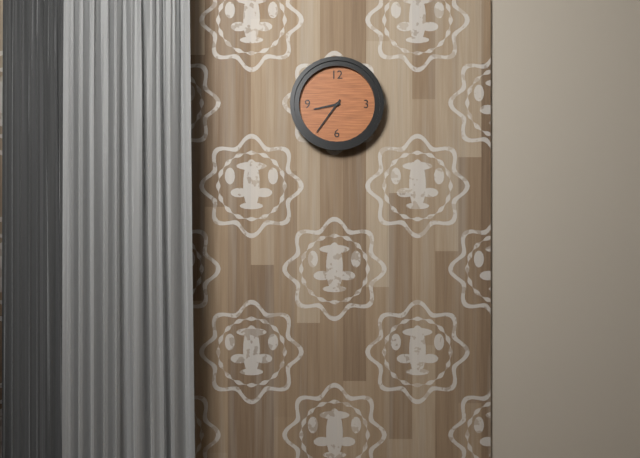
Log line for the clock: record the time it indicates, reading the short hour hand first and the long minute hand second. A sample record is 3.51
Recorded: 8.36
